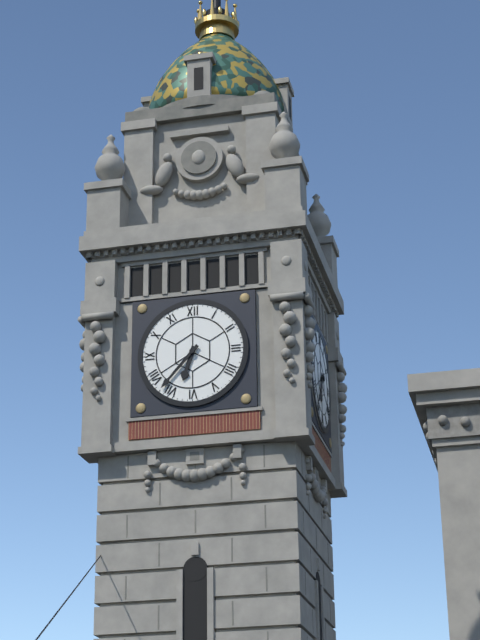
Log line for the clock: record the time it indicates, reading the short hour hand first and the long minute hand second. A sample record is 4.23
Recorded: 6.37
